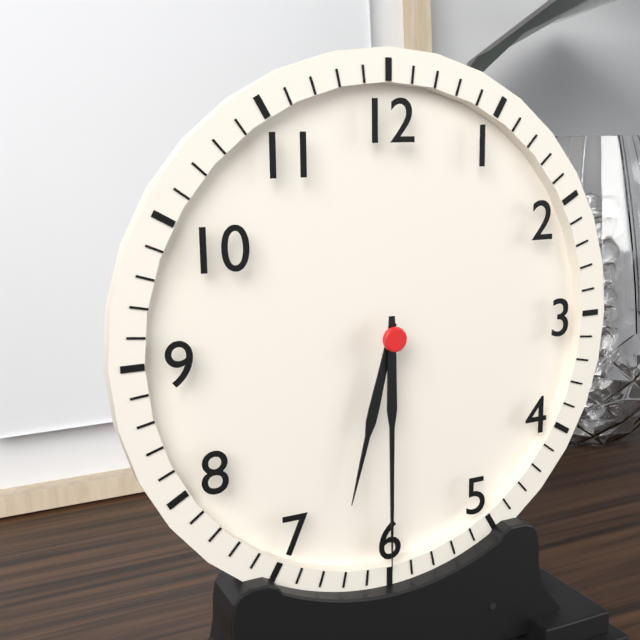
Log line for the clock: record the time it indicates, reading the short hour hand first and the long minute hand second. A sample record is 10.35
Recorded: 6.30
